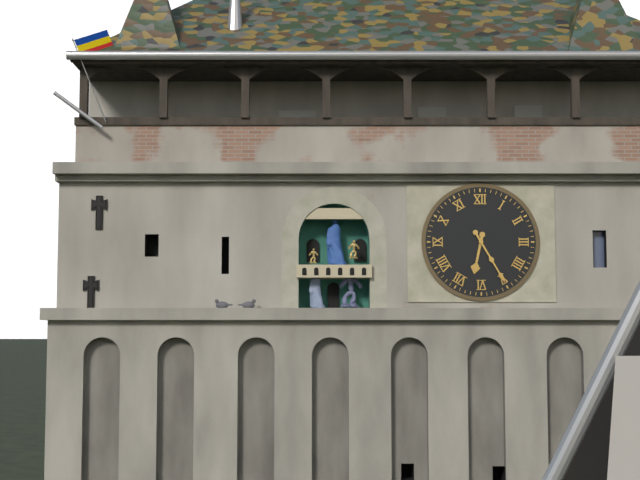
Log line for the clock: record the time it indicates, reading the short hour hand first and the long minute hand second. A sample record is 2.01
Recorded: 6.25
